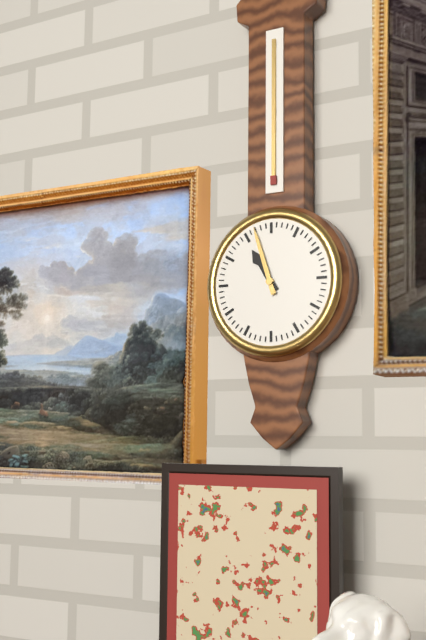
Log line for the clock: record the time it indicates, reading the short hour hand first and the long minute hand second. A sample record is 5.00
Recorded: 10.57
